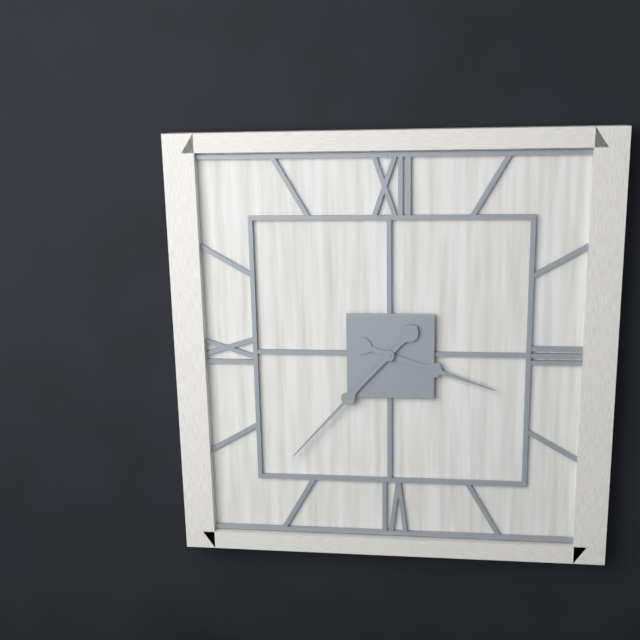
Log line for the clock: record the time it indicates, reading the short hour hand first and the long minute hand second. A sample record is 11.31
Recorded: 3.37
